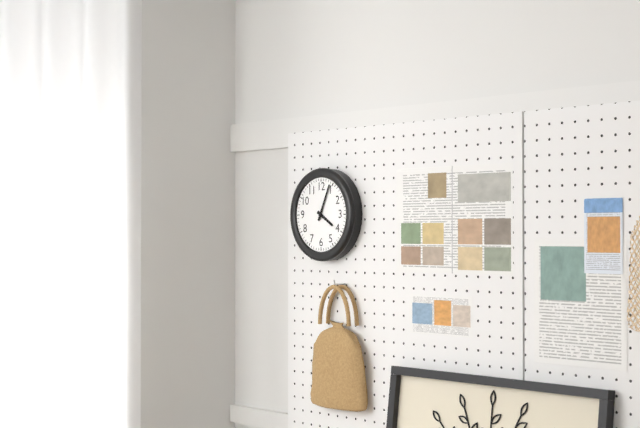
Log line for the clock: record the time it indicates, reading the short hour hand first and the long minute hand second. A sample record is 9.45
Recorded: 4.04
